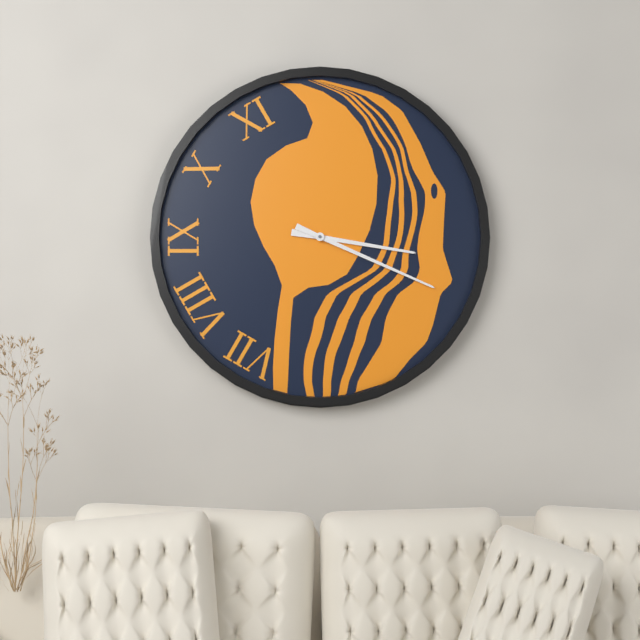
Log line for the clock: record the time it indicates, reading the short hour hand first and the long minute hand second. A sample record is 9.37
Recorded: 3.19
